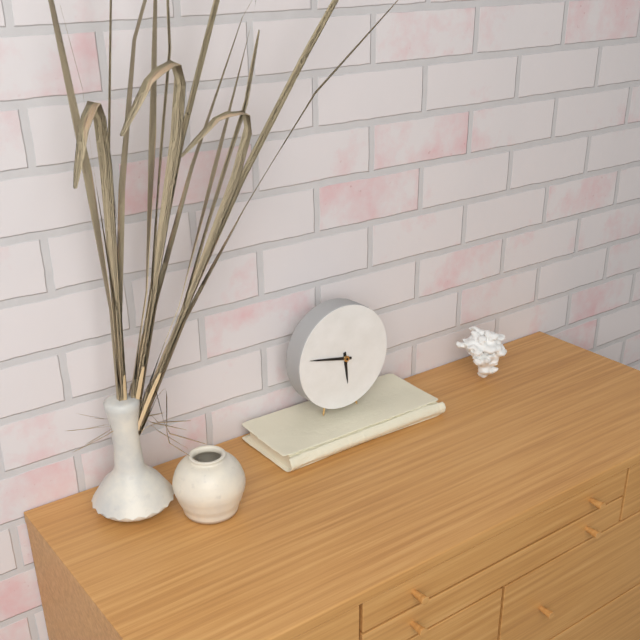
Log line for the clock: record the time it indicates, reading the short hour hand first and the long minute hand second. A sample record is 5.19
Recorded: 5.47
